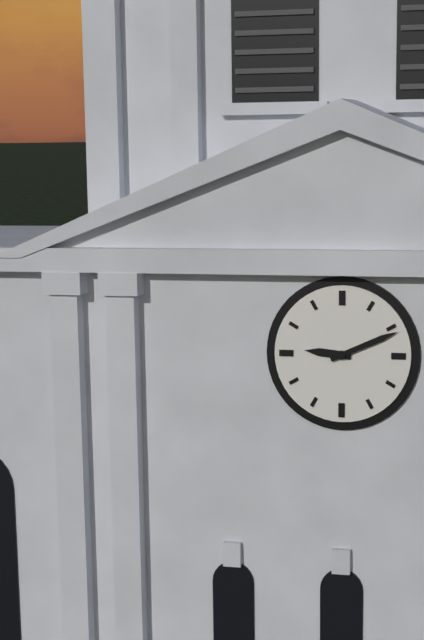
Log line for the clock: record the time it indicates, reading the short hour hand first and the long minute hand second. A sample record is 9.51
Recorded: 9.11
